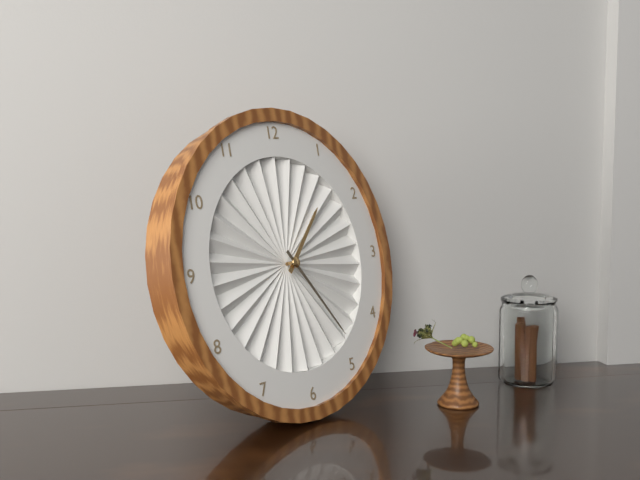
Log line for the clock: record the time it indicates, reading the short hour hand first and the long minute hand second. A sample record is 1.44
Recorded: 1.24
